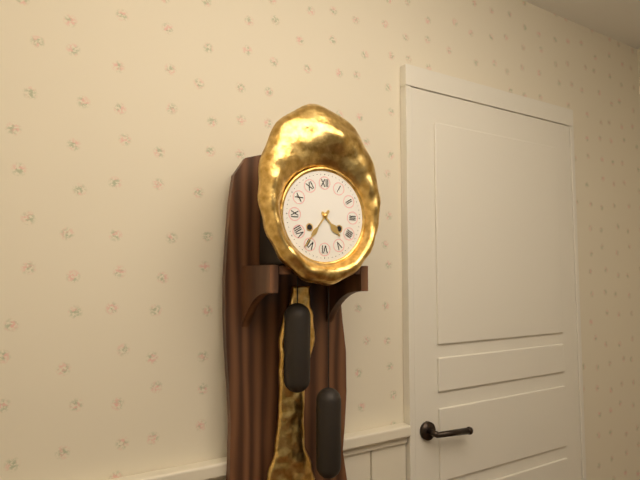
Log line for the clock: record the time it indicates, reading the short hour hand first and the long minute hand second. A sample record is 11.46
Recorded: 4.36
